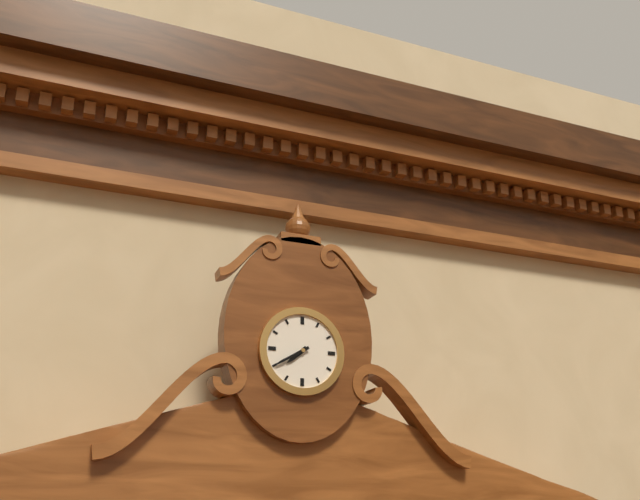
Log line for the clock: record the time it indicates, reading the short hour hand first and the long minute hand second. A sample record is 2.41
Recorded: 7.40
